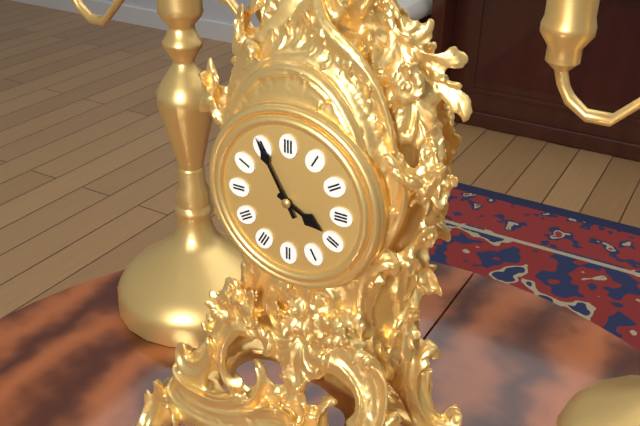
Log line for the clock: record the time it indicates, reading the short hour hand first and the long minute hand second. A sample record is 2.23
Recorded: 3.55
